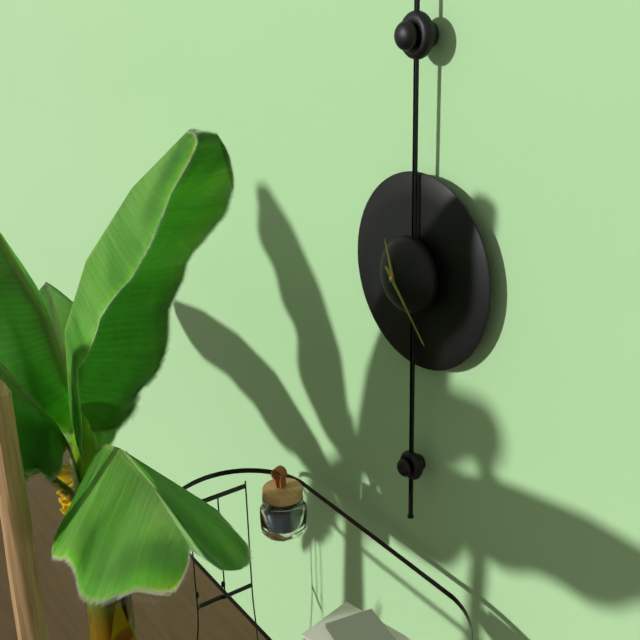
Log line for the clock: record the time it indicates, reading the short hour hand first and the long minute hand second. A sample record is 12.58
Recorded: 11.23
